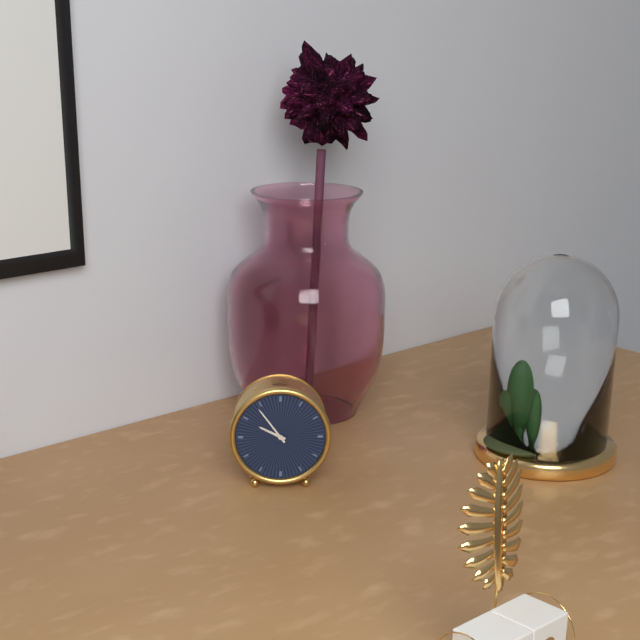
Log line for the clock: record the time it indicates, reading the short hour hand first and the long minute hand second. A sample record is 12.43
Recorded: 9.54
